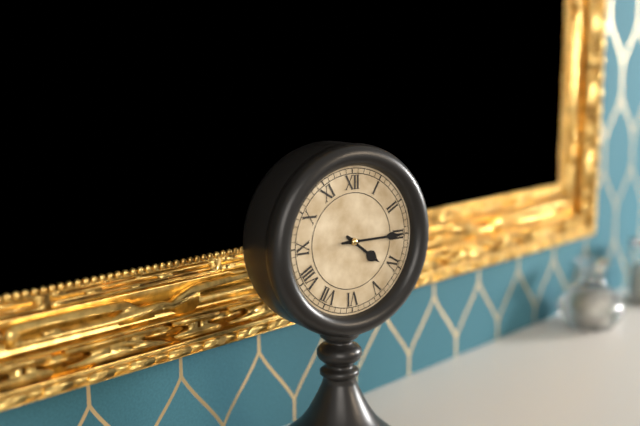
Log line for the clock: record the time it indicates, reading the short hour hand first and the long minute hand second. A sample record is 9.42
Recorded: 4.15
